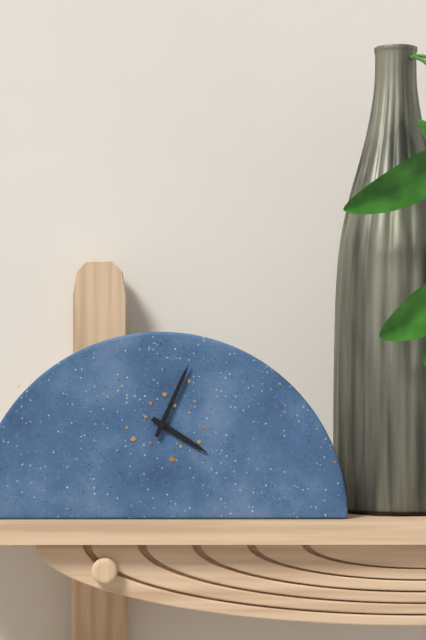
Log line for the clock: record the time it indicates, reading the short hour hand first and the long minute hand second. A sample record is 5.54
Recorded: 4.04
